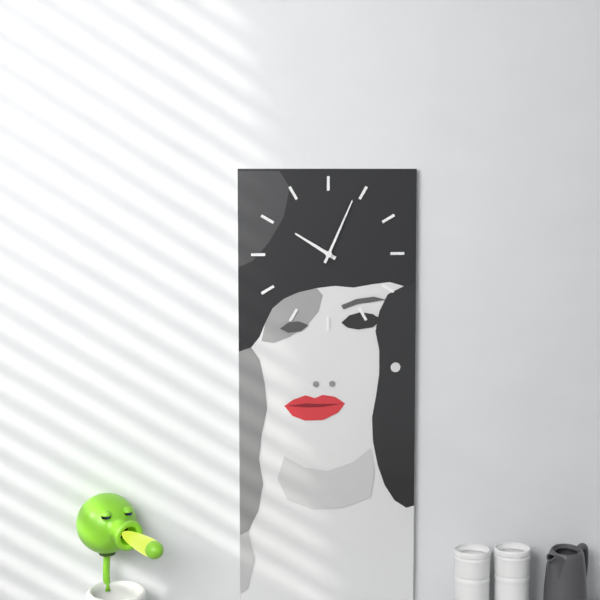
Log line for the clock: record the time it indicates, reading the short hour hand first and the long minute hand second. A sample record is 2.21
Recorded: 10.04
